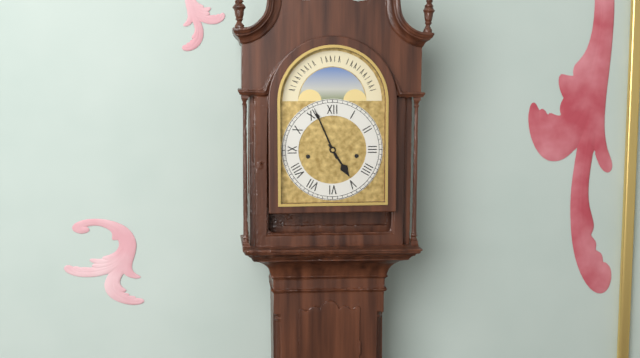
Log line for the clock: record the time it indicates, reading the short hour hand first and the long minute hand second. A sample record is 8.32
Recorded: 4.56
